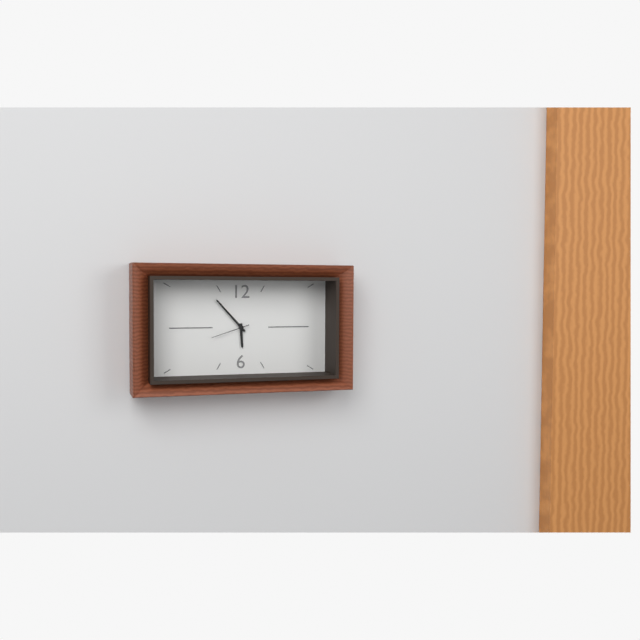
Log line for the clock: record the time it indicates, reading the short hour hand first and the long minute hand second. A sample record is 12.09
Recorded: 5.53
